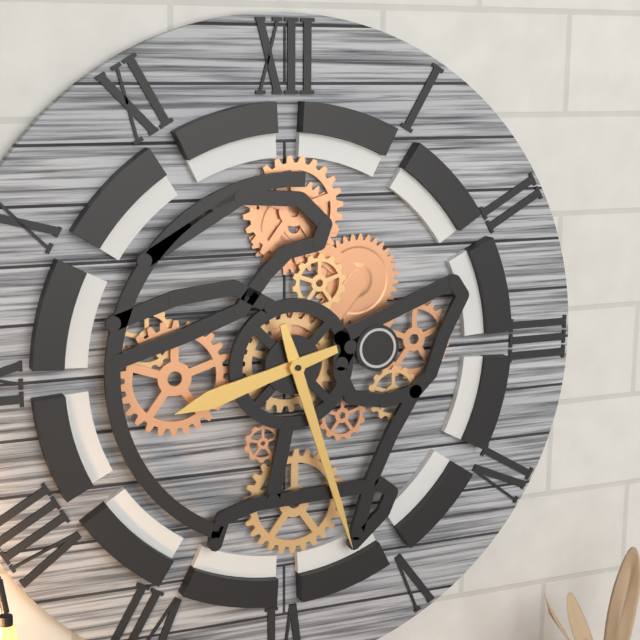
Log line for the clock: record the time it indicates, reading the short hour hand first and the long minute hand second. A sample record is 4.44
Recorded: 8.27
